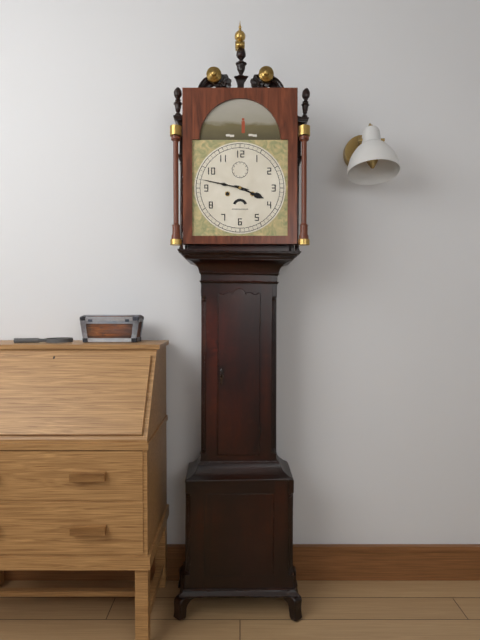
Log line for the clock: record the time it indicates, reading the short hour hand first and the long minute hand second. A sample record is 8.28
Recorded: 3.47
